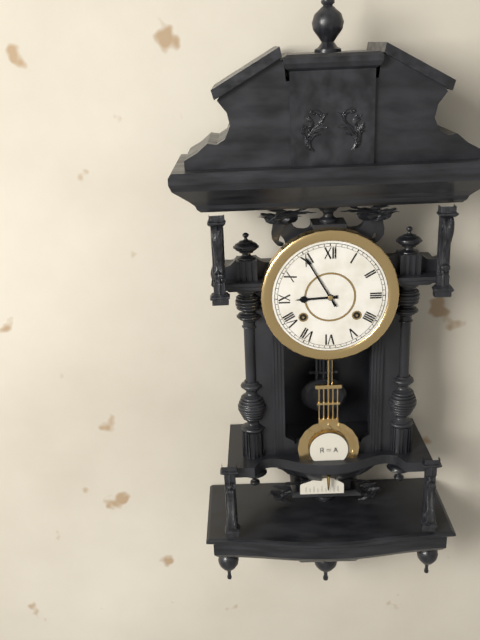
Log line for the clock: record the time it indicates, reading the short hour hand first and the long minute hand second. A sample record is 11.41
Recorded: 8.55
